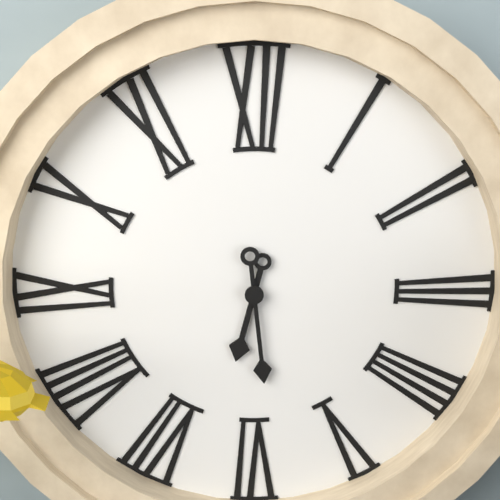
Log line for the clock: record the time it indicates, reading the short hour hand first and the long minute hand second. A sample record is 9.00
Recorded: 6.29
